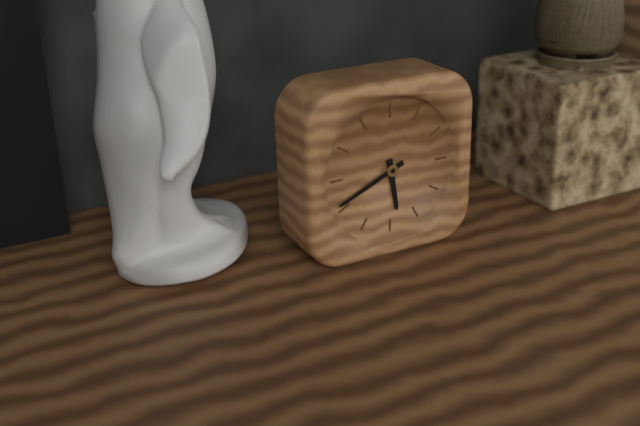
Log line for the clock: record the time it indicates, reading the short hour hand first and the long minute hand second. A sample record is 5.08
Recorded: 5.41
